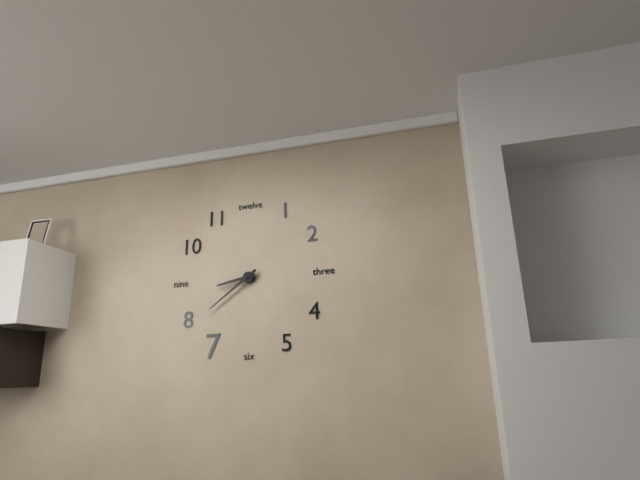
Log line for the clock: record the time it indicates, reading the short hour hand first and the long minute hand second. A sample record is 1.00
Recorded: 8.39
